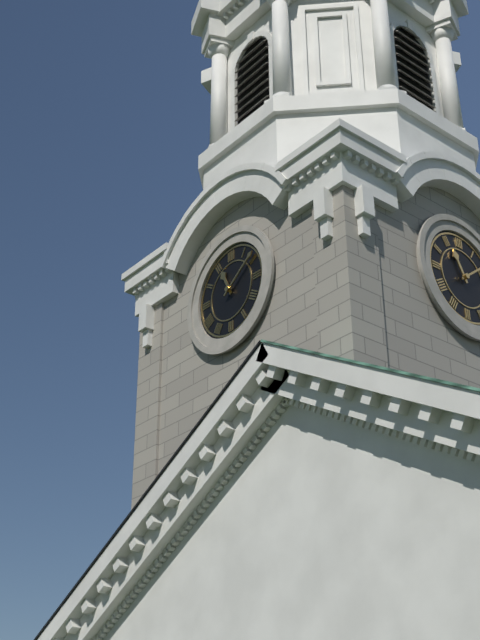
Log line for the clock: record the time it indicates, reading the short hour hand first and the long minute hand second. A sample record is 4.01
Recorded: 11.09
